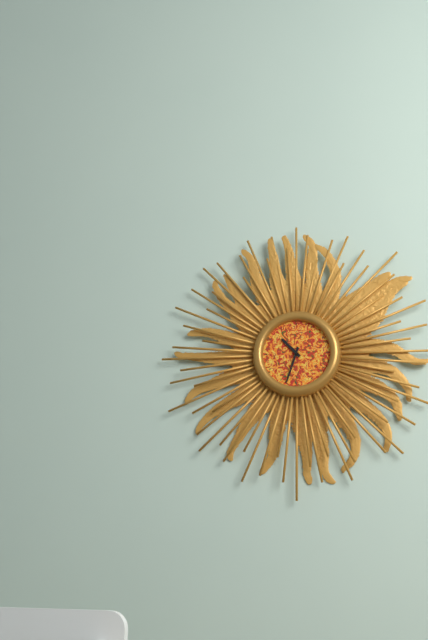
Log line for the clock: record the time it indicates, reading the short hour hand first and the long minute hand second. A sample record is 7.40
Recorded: 10.33
